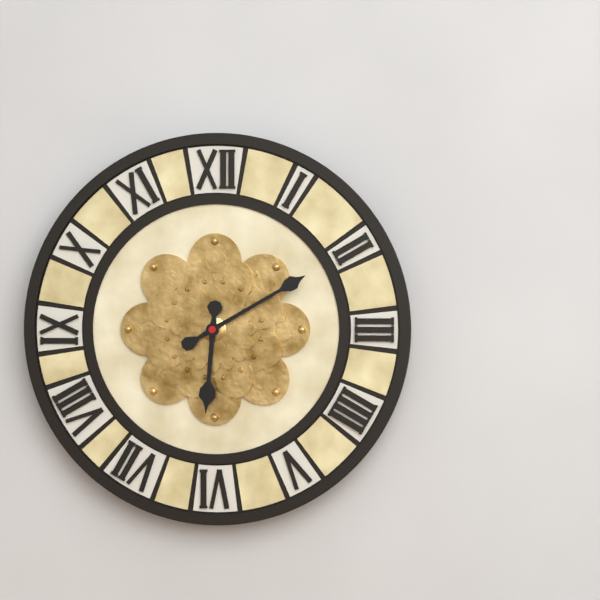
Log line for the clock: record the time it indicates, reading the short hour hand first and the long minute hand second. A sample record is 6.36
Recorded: 6.10
